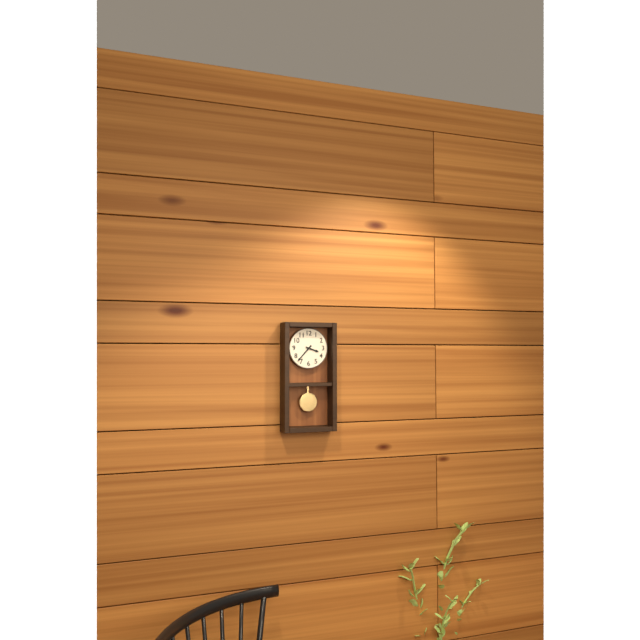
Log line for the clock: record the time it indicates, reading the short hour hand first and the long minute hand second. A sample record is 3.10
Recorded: 3.37
